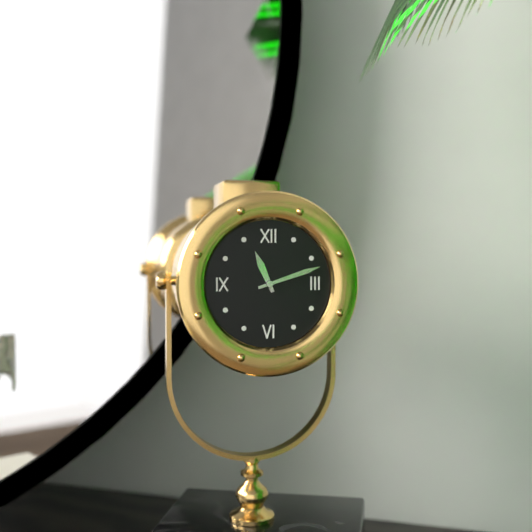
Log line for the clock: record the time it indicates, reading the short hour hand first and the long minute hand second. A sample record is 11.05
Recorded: 11.12
